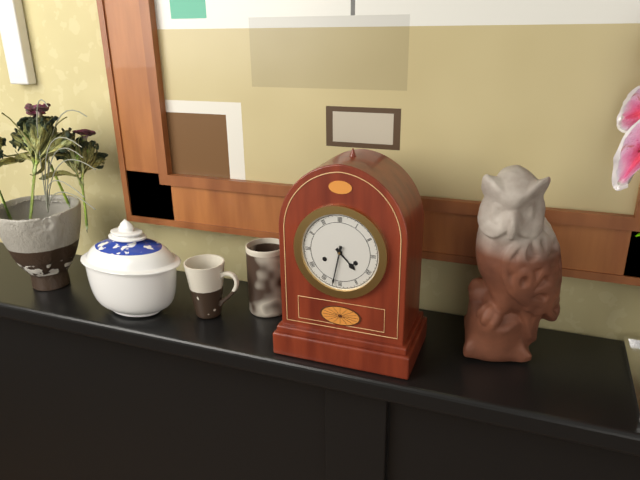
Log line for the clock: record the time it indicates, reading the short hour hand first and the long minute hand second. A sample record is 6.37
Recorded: 4.32
